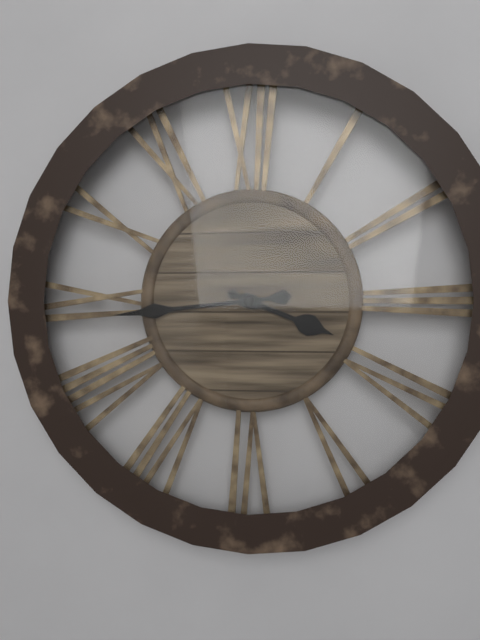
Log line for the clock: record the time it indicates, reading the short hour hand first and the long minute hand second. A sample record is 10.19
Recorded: 3.44
